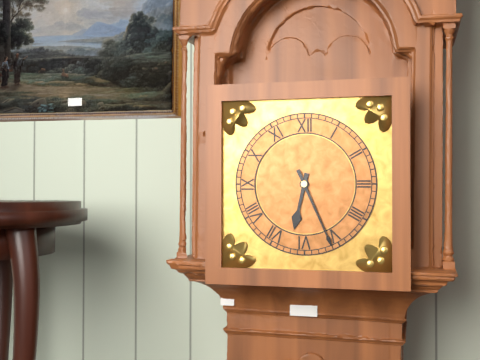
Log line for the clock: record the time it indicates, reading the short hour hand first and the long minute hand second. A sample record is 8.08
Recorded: 6.26
